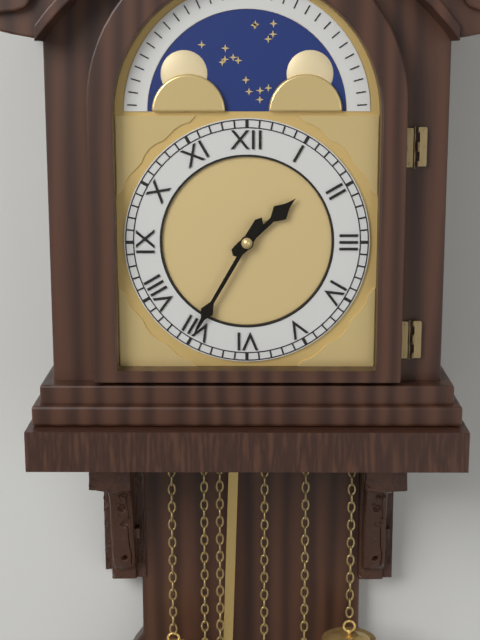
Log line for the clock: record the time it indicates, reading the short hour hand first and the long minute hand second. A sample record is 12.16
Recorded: 1.35
